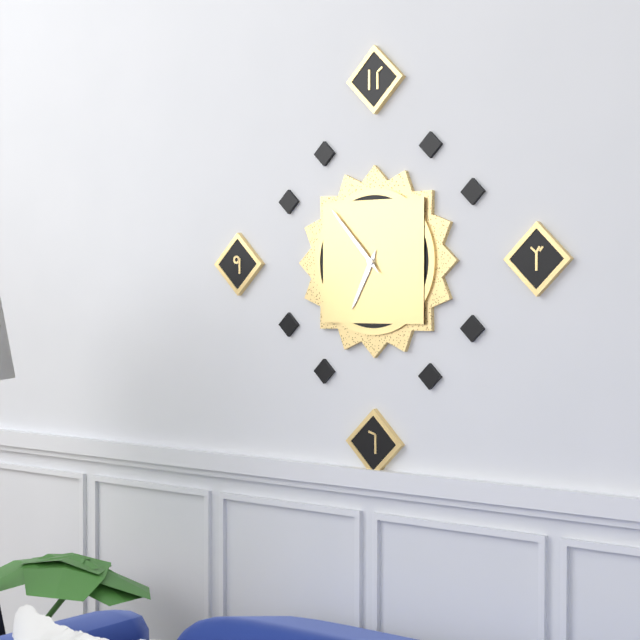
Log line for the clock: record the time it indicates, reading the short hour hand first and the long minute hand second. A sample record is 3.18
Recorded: 6.53
